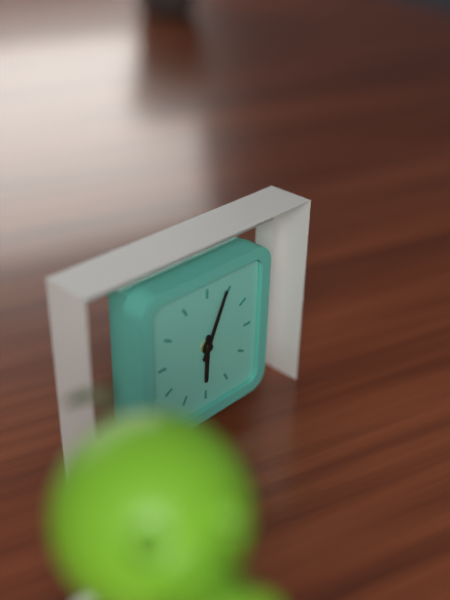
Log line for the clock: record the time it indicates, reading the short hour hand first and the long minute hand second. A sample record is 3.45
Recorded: 6.04
